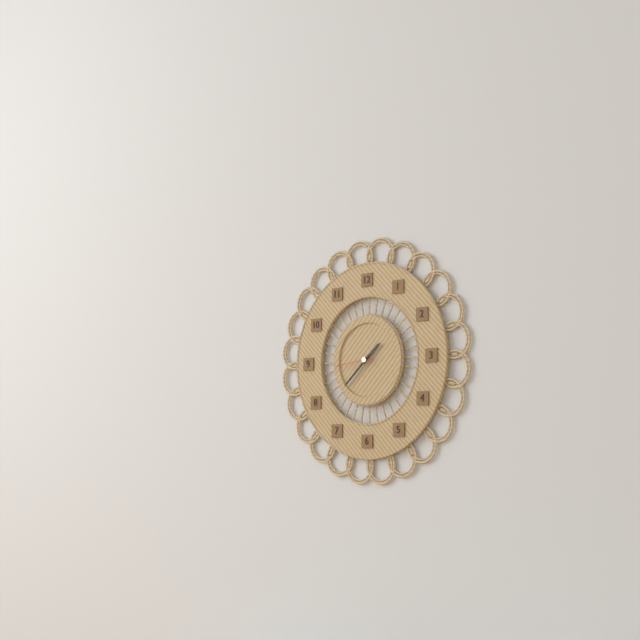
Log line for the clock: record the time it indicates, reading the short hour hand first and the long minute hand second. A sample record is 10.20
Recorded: 1.38
